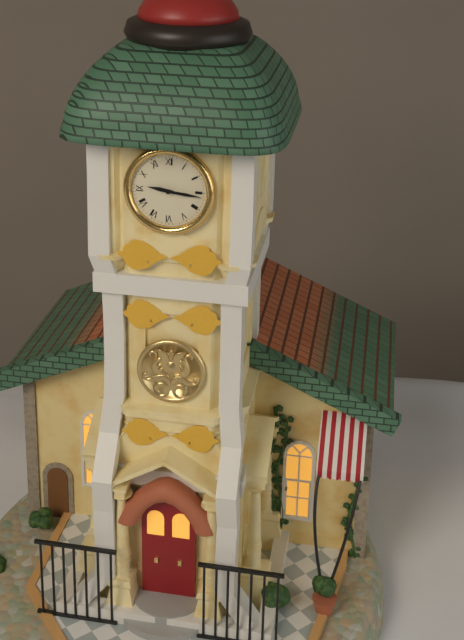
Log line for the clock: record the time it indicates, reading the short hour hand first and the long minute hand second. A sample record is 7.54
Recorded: 9.16
